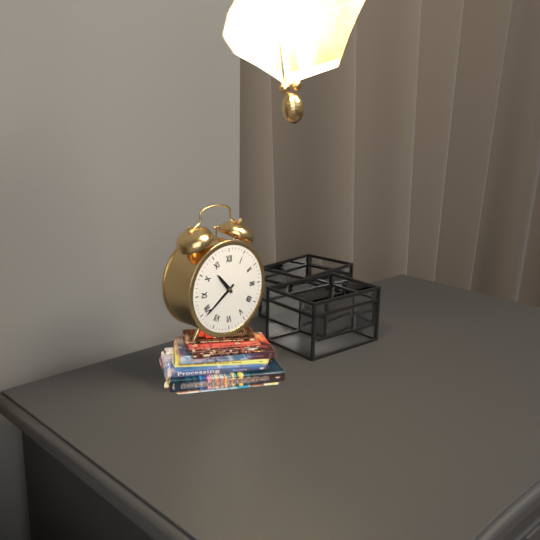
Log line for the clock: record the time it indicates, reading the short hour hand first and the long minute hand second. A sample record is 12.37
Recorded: 10.39
